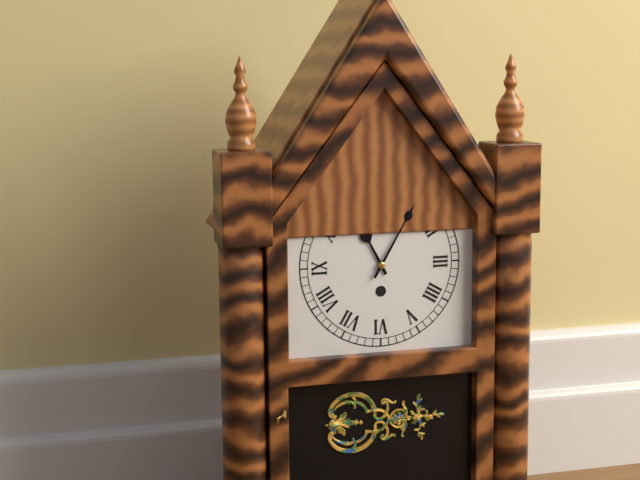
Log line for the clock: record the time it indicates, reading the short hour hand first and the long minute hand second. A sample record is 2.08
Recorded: 11.05
